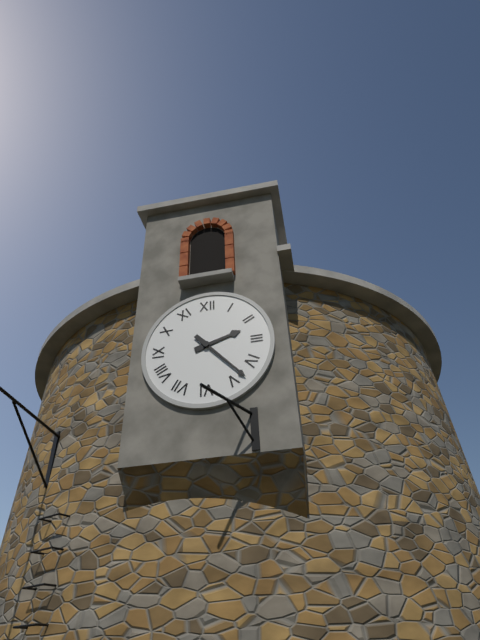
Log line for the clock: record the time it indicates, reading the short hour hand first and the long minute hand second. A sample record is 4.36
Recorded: 2.23
